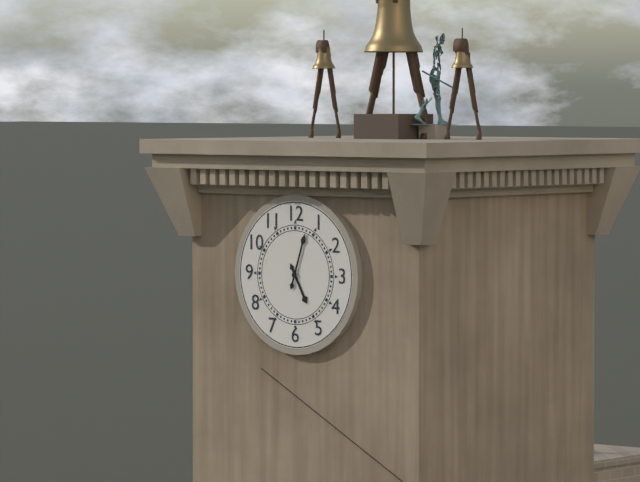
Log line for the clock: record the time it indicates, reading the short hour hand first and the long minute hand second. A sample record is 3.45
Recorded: 5.03
